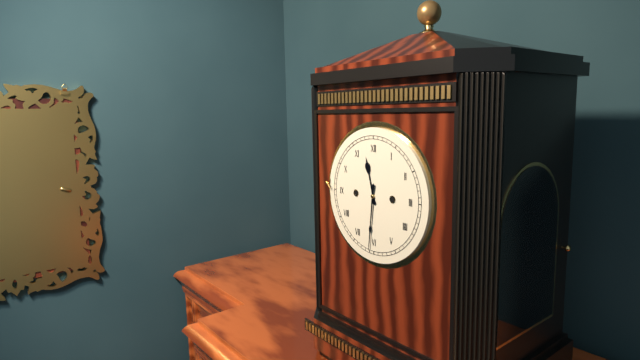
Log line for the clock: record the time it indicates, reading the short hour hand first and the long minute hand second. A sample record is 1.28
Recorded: 11.31
